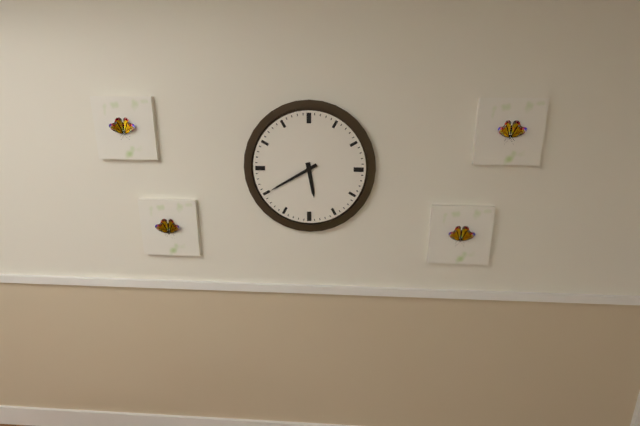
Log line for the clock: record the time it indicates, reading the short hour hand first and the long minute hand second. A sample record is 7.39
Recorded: 5.40
